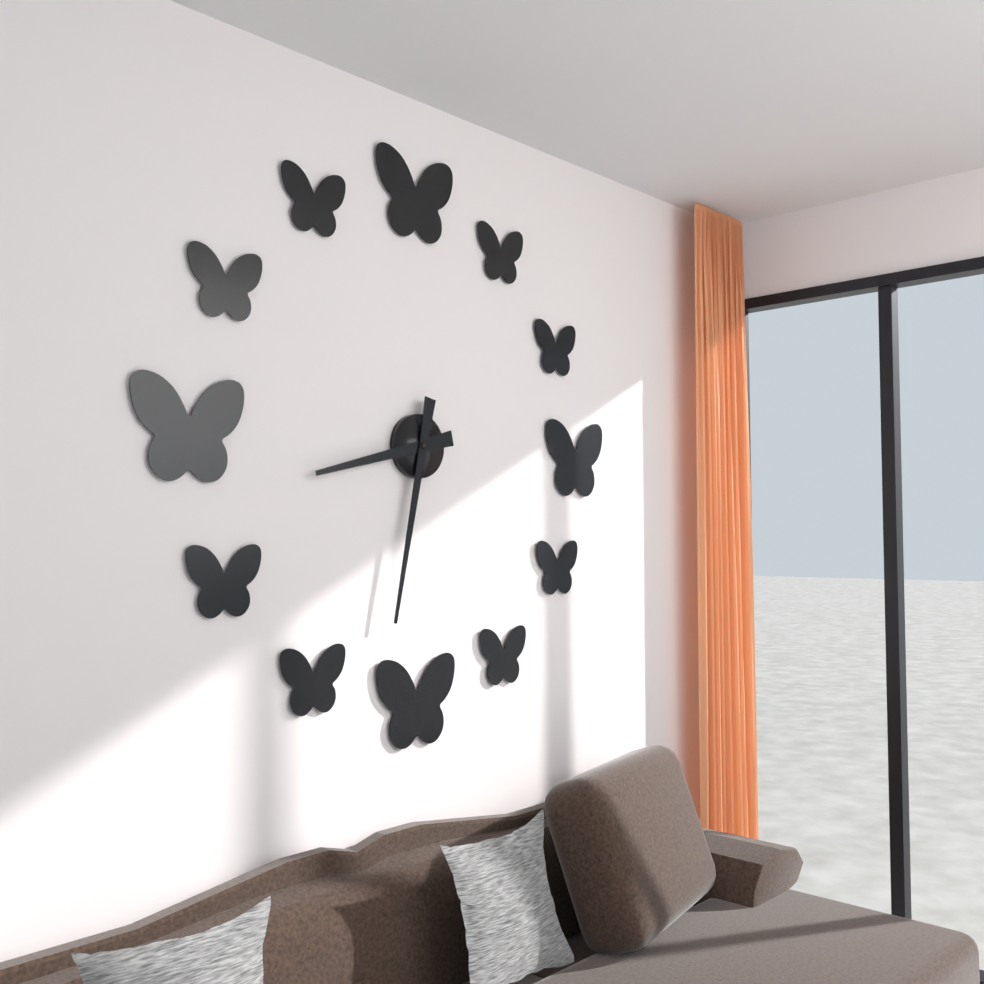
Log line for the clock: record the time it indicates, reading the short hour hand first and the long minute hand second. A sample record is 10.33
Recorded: 8.32
